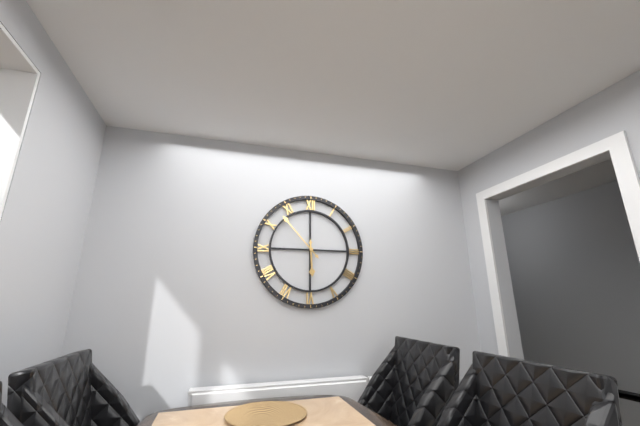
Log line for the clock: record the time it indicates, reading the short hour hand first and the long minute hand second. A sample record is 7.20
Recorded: 5.53
